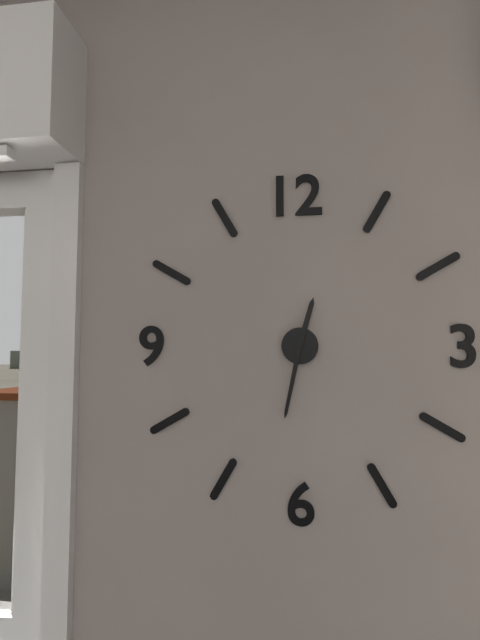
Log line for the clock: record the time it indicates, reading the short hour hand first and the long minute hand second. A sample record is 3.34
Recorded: 12.32
